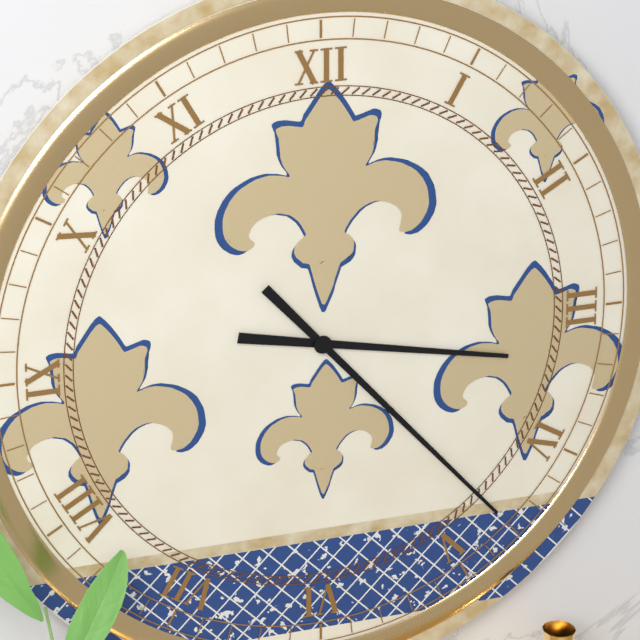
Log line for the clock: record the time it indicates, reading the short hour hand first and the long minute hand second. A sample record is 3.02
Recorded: 3.23
